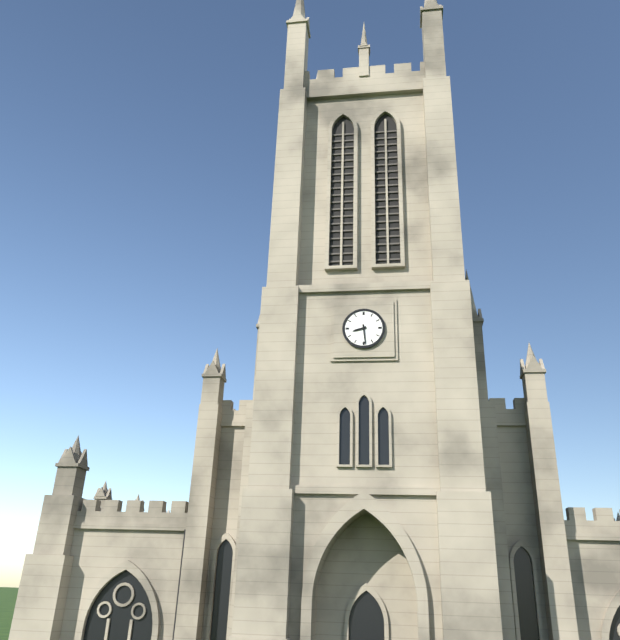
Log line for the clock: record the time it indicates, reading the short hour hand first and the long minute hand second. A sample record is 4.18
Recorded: 8.29
